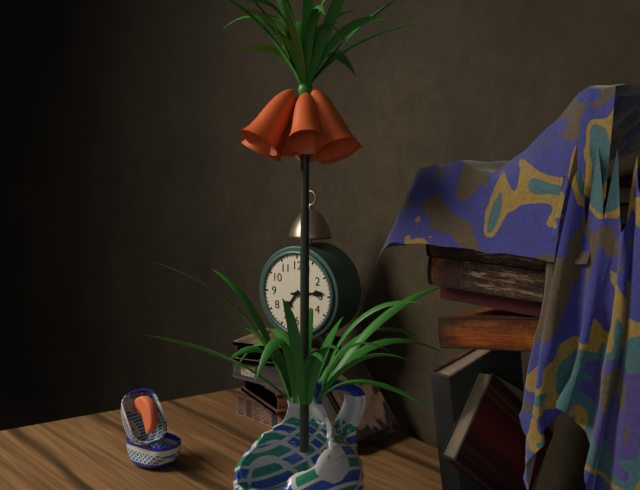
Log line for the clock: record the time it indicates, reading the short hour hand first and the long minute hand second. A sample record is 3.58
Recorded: 7.14
